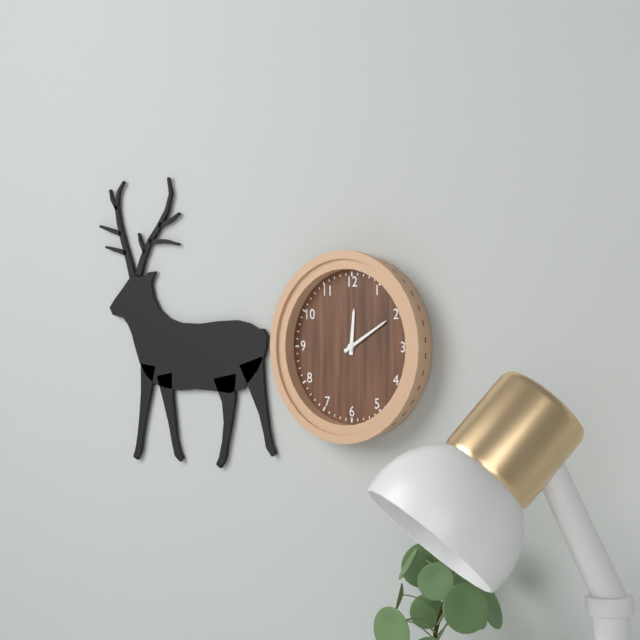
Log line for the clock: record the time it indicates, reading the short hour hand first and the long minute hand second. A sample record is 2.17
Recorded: 12.10
